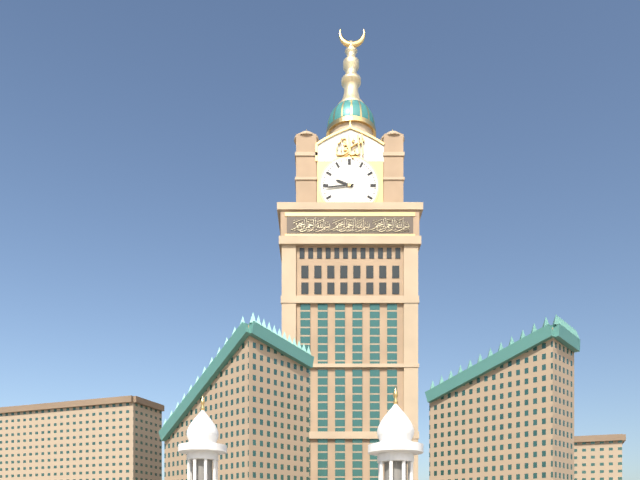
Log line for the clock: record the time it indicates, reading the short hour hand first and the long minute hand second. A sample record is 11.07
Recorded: 9.44
